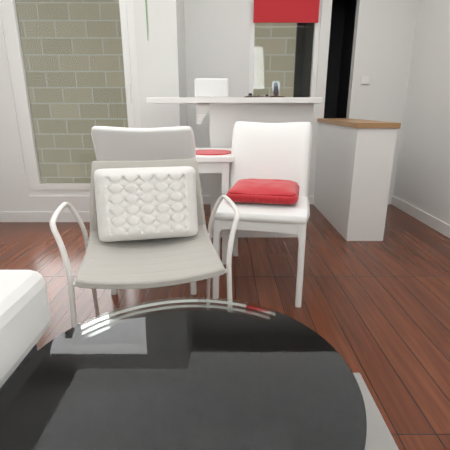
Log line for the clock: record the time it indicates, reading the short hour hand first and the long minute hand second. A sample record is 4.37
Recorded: 3.19
